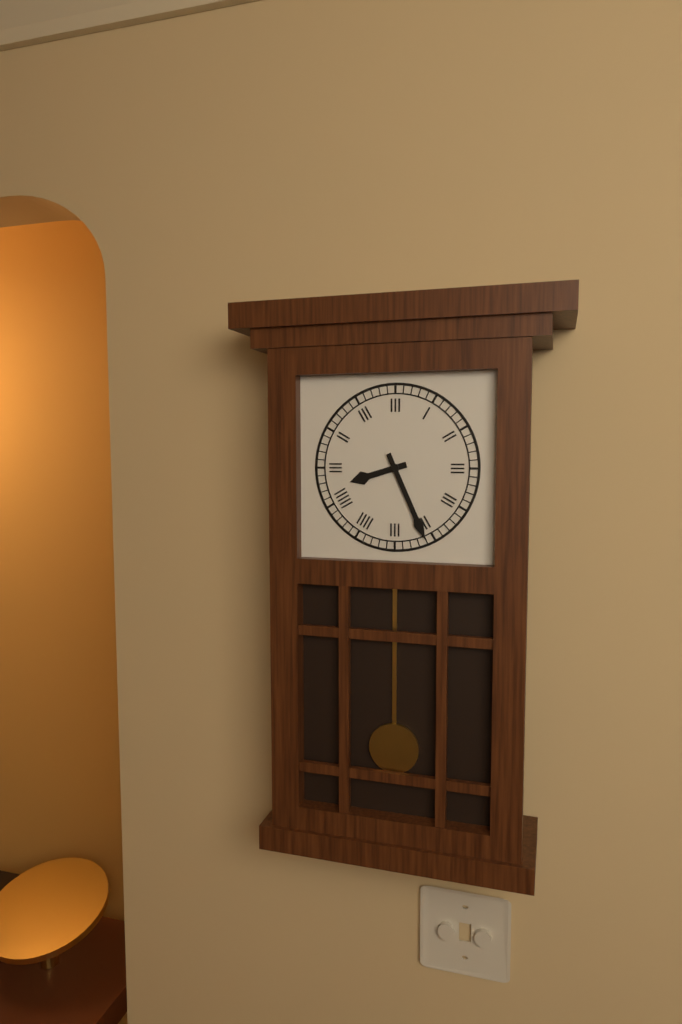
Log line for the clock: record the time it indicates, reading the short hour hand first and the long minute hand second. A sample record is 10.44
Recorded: 8.26
